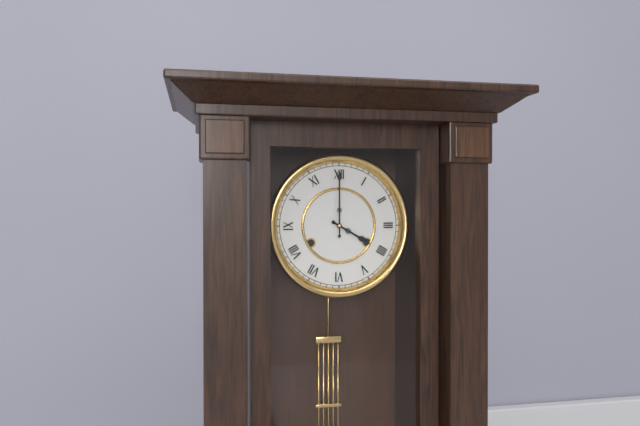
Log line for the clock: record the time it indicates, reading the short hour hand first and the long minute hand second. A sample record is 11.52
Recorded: 4.00
